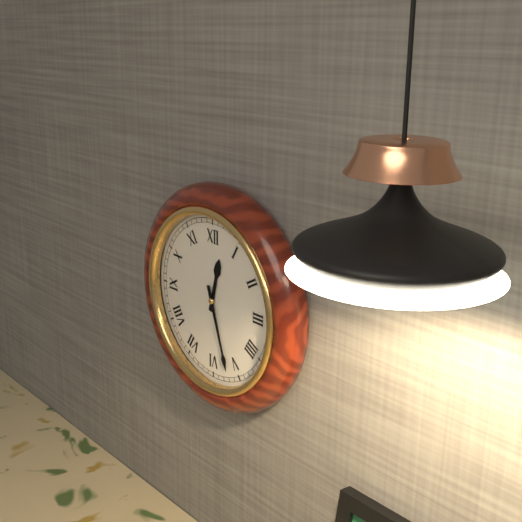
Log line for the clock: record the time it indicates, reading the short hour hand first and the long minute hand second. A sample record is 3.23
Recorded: 12.27
